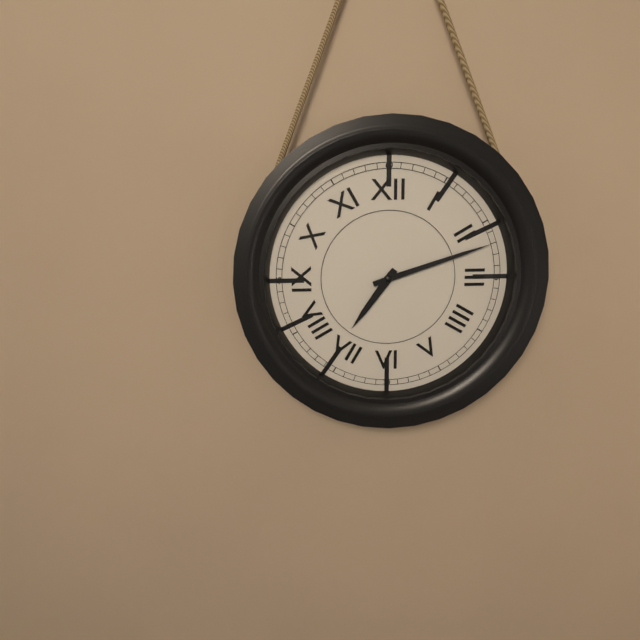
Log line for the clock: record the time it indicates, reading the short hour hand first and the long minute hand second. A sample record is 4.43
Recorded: 7.12
